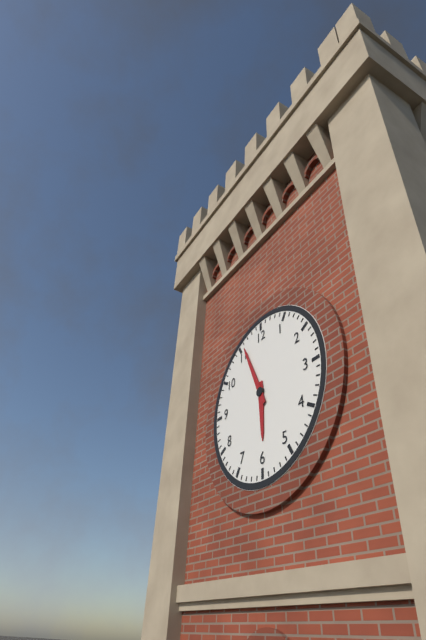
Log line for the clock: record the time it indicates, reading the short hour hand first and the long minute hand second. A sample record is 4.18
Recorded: 5.56
